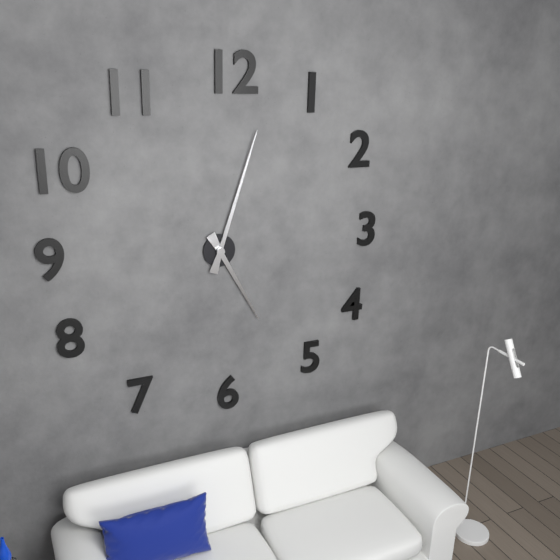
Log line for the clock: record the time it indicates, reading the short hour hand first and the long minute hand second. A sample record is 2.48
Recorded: 5.03
